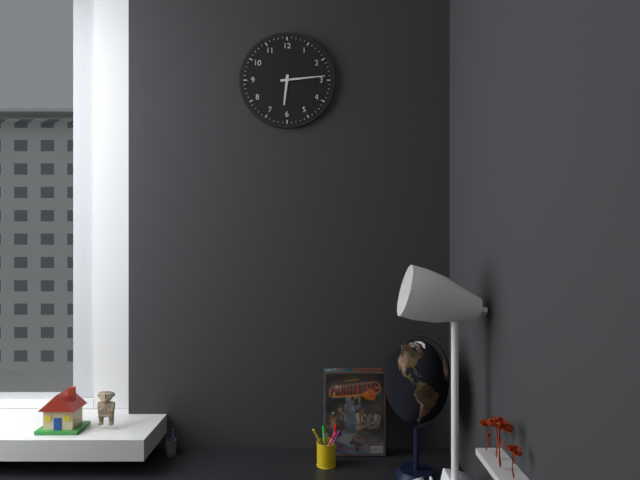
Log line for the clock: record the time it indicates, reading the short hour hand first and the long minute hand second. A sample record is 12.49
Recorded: 6.14
